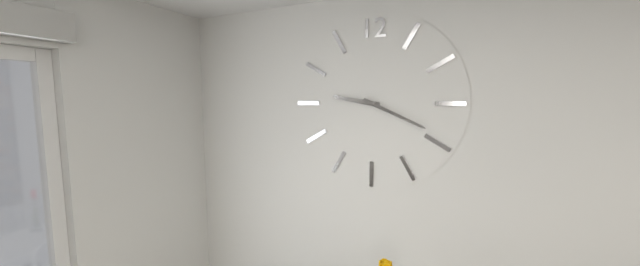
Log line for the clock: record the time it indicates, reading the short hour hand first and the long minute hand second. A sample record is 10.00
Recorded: 9.19
